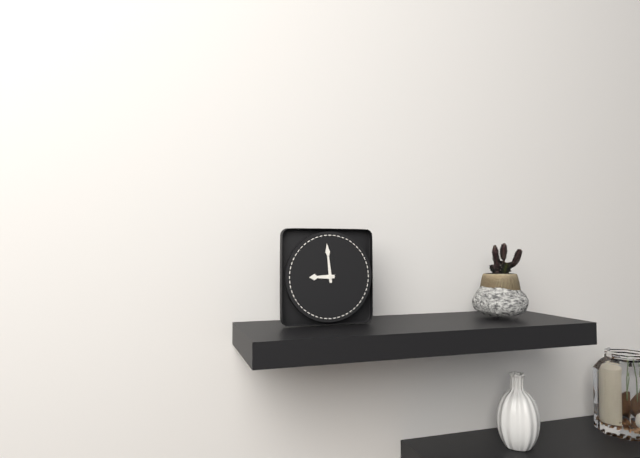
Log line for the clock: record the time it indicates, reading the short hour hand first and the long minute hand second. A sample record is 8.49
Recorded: 8.59
